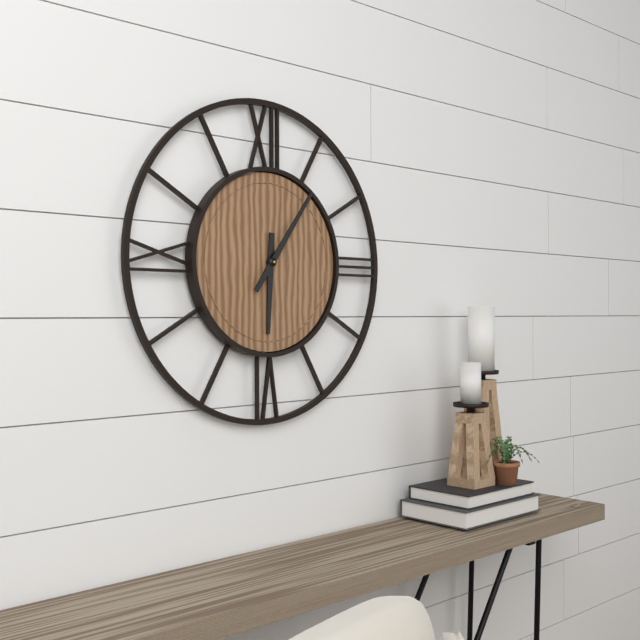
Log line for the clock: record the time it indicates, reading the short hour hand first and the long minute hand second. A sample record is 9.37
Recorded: 6.06
